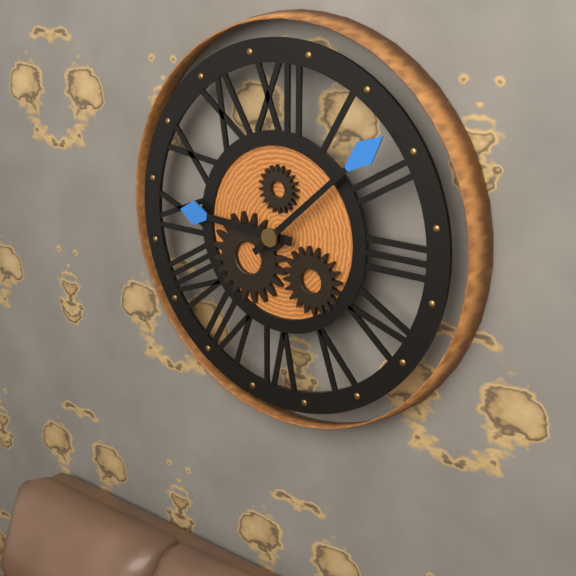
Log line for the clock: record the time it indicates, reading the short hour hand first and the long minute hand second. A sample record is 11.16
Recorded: 9.08
